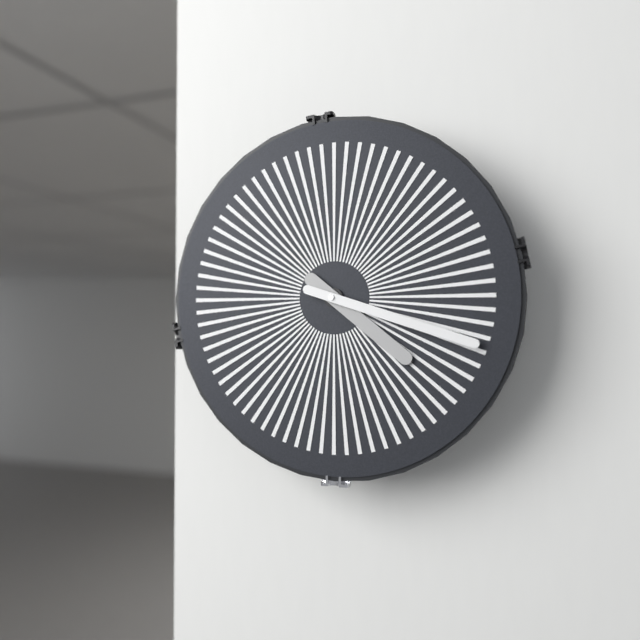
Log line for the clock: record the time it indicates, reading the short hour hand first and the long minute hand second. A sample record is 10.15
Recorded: 4.18
